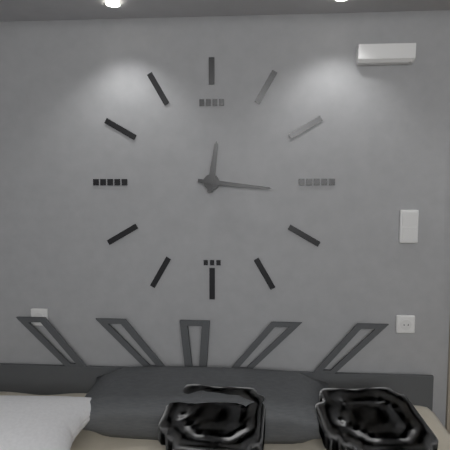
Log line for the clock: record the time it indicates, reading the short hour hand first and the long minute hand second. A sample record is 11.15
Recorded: 12.16
